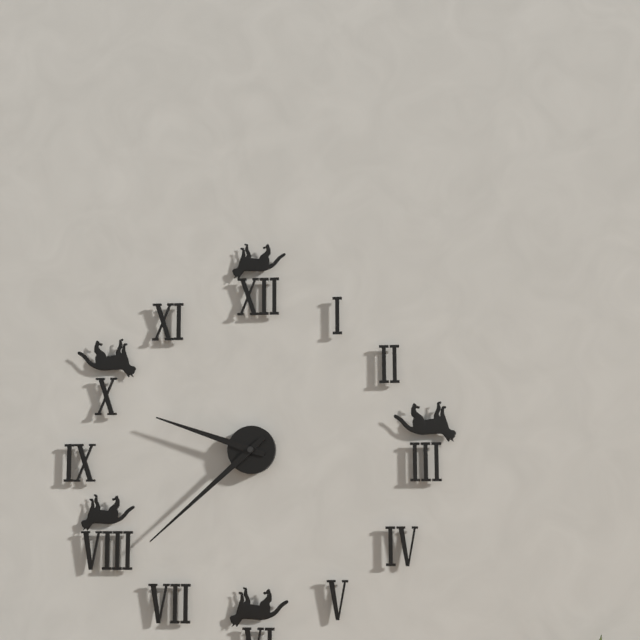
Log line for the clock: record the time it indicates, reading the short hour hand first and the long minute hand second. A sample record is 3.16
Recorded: 9.38
